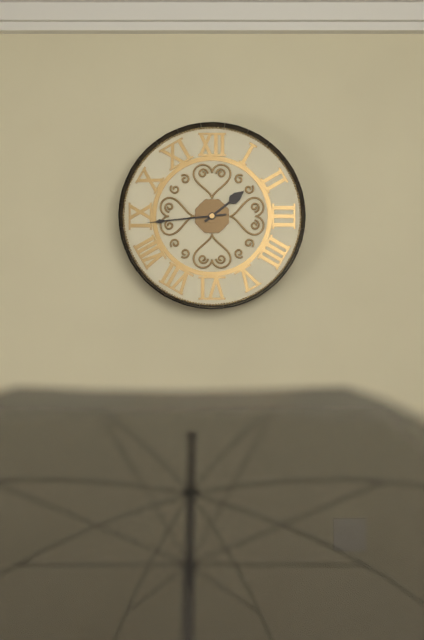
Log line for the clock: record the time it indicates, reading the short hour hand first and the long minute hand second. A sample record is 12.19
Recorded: 1.44
